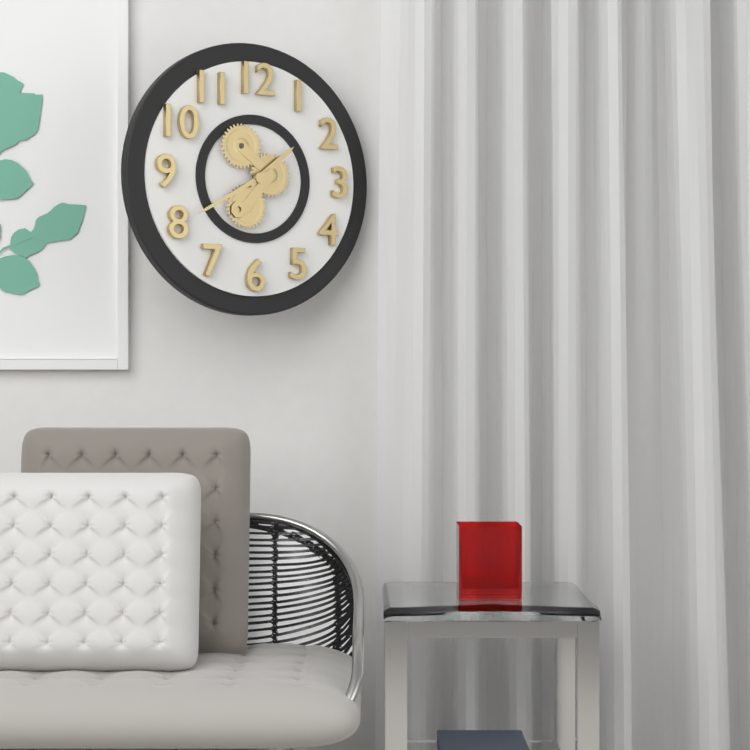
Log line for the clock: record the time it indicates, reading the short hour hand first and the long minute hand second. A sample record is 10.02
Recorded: 1.40
